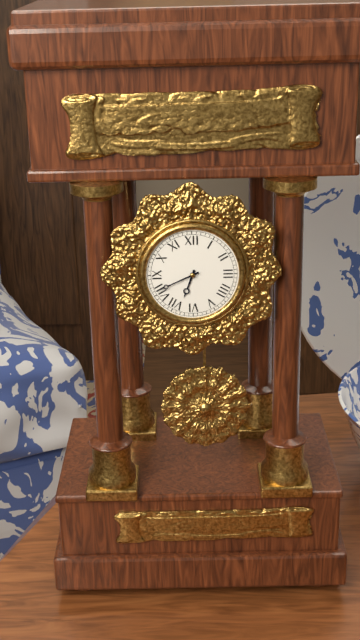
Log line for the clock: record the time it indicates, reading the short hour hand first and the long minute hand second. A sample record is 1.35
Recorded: 6.41
